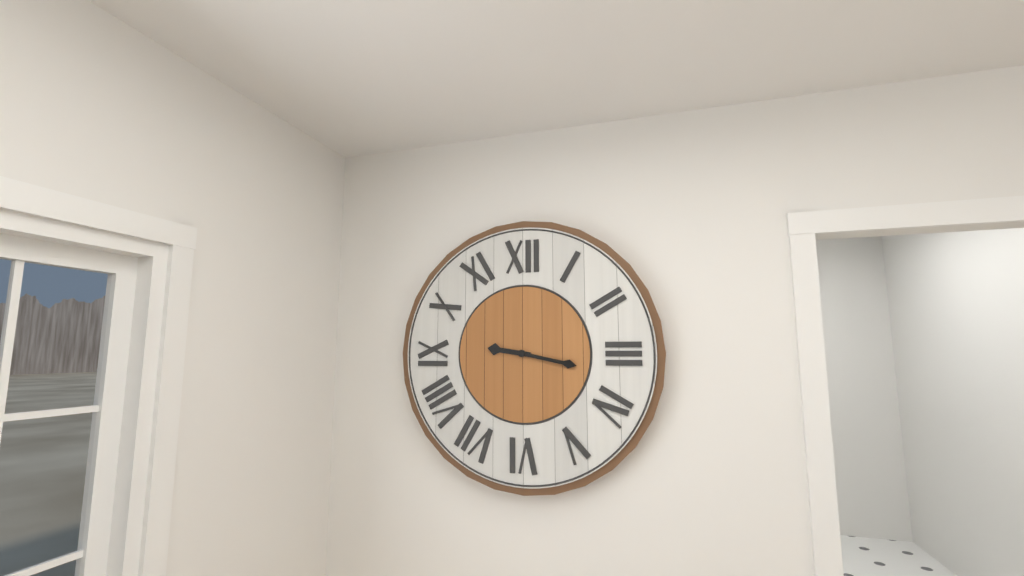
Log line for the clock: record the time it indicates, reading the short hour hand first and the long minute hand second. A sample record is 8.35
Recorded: 9.17
